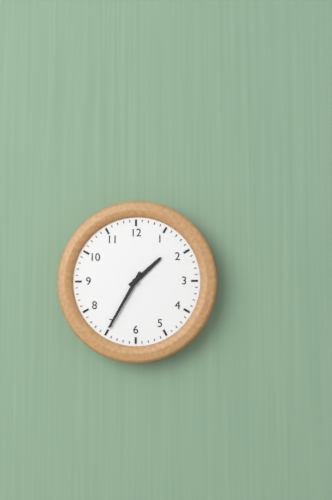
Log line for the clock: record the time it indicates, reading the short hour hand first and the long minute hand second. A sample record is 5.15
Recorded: 1.35
